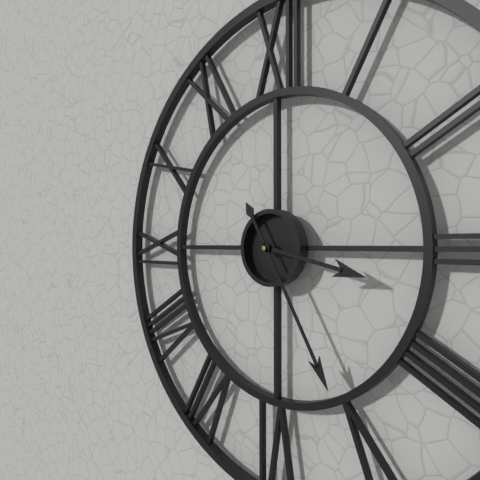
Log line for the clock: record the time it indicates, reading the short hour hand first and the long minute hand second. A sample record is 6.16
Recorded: 3.25
